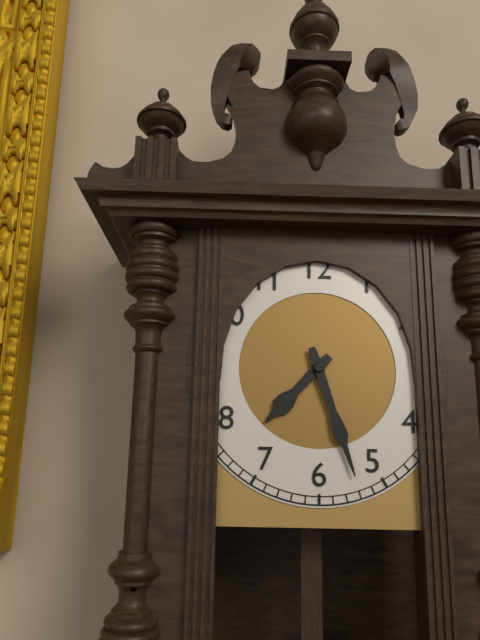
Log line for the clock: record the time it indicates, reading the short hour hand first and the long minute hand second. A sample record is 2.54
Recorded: 7.27
